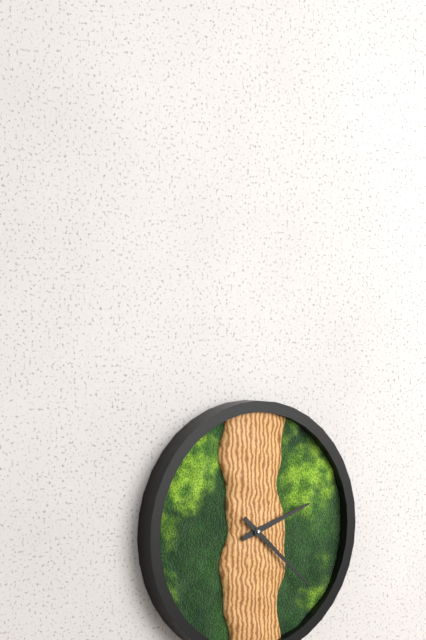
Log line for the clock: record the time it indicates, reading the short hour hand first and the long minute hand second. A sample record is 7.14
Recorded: 2.22
